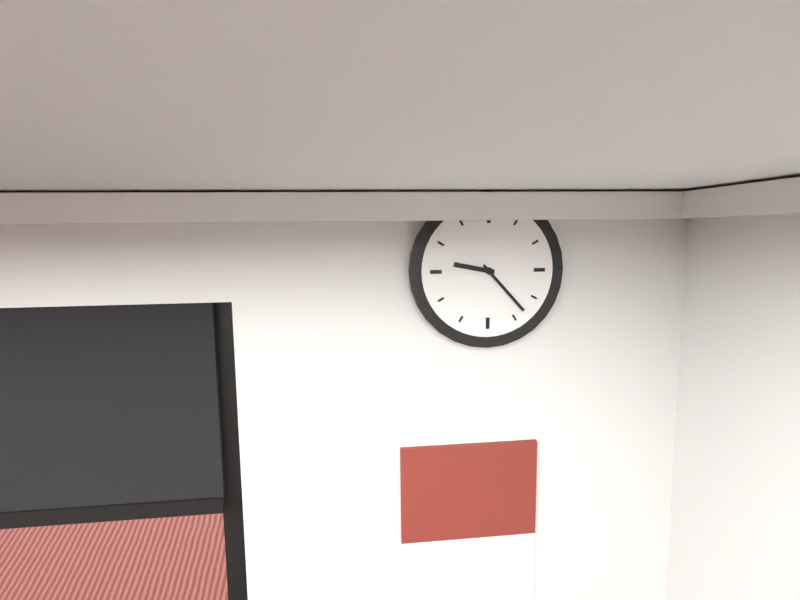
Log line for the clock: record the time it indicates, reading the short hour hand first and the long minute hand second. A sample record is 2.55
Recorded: 9.23
